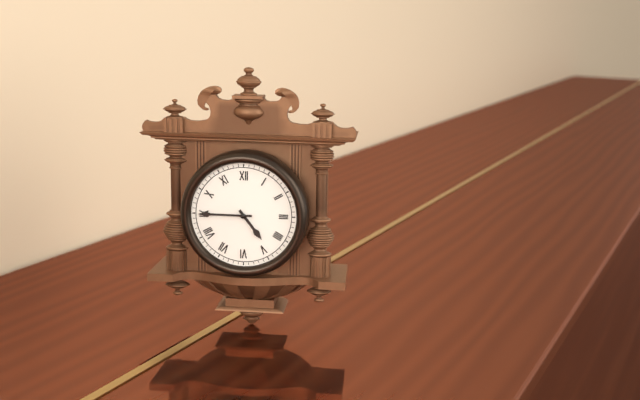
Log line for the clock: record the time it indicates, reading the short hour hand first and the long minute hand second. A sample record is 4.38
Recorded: 4.45
